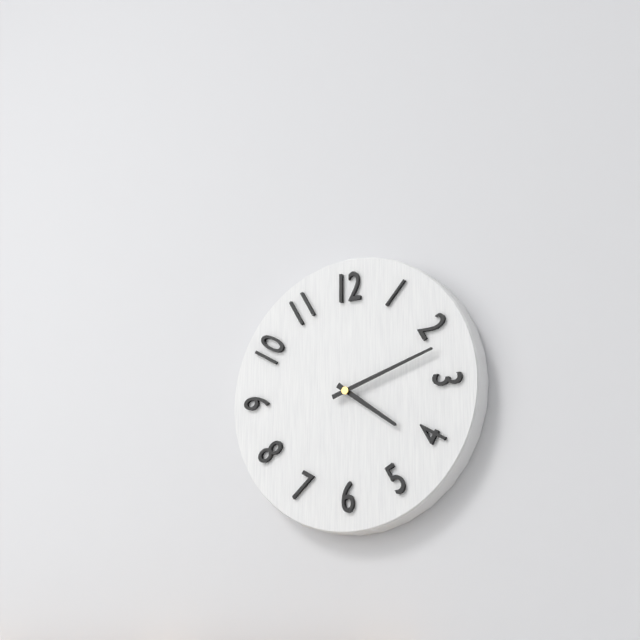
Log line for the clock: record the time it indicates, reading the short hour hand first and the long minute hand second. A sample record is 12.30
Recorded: 4.12
